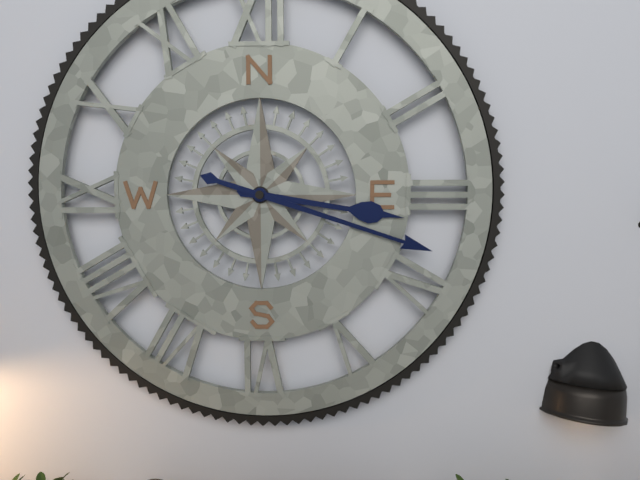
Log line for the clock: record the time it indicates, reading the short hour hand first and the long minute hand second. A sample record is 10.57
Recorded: 3.18
